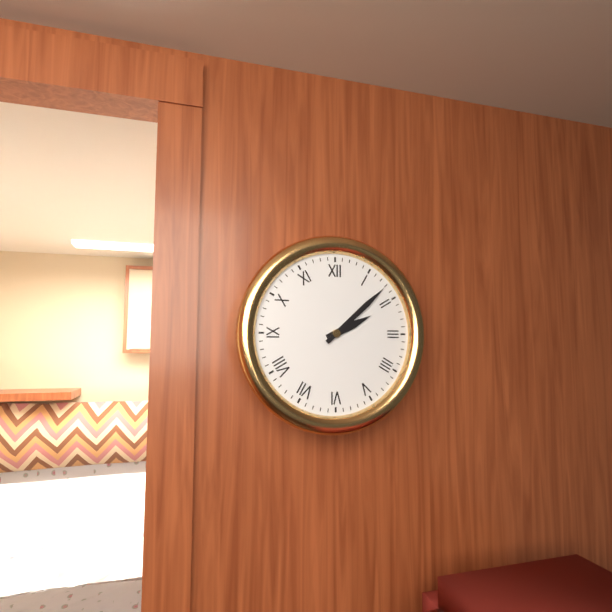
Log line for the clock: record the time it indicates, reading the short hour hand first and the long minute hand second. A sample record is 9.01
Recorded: 2.08
